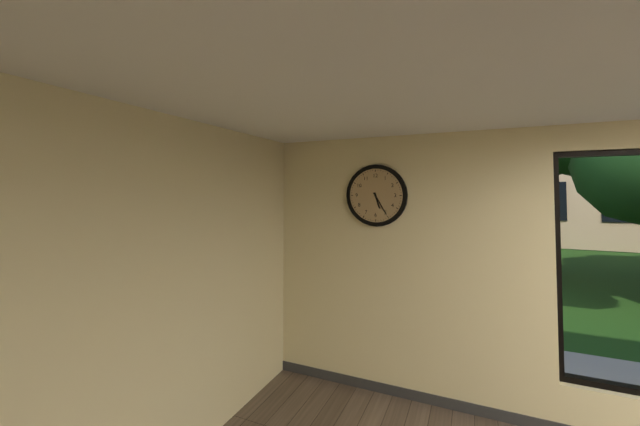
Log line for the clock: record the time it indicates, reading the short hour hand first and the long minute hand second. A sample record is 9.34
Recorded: 5.25
